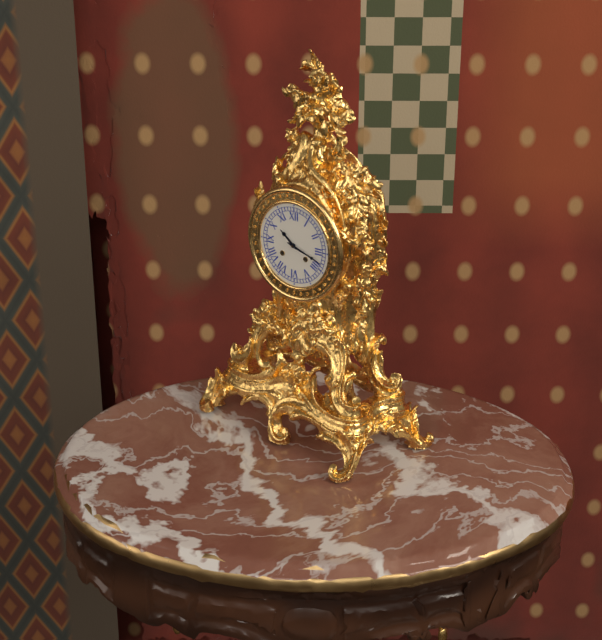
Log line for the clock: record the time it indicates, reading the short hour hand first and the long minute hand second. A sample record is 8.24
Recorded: 10.18
